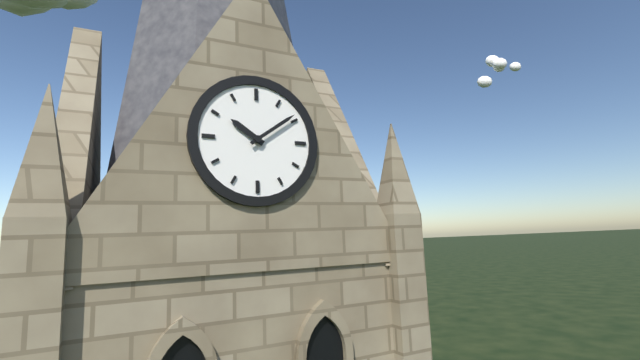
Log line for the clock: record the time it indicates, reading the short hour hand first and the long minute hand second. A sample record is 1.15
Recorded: 10.09
